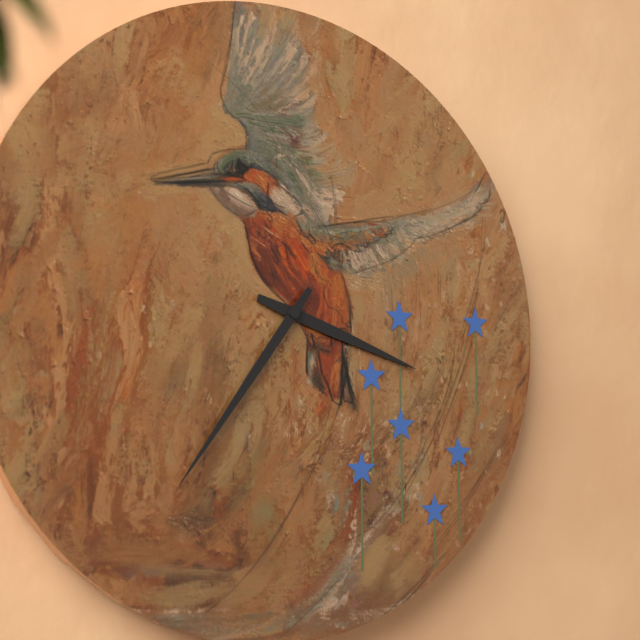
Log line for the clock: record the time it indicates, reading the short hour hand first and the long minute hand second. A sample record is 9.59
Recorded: 3.36
